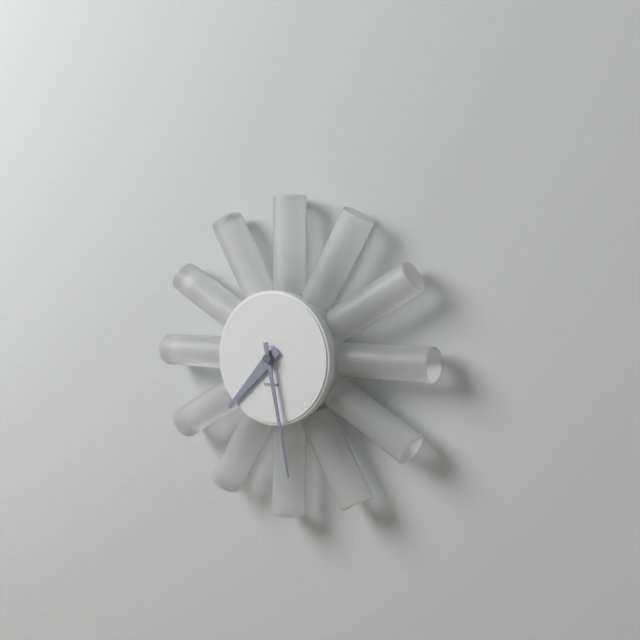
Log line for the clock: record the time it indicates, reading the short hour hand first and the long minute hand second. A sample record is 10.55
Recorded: 7.28
